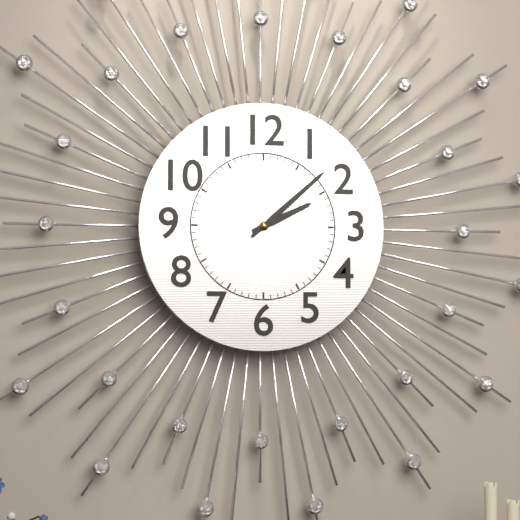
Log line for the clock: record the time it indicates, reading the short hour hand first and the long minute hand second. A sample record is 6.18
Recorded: 2.08
